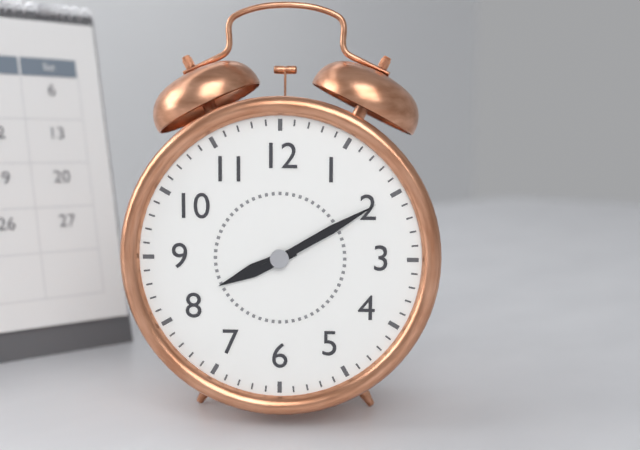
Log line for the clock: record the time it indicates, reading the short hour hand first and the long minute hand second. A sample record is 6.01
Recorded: 8.10
